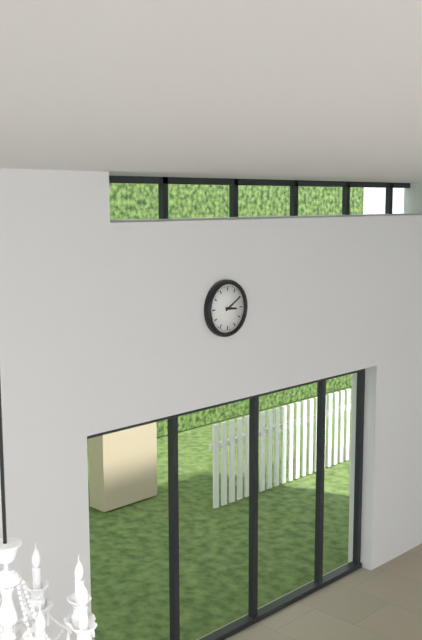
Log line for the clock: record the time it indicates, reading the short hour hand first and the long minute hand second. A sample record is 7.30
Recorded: 3.10
